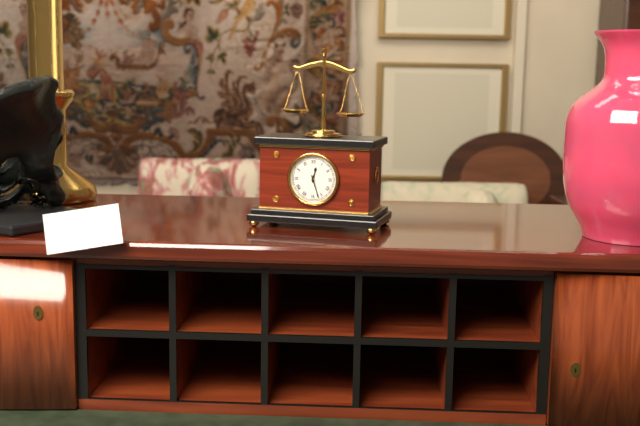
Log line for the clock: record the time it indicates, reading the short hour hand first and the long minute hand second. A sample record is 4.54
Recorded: 12.27
